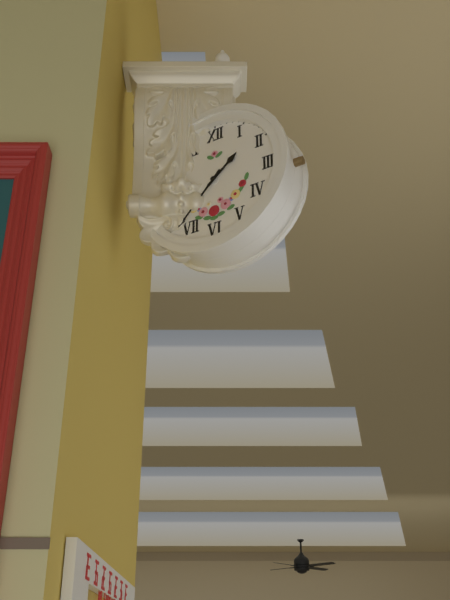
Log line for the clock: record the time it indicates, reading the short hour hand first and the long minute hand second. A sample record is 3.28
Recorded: 1.37
